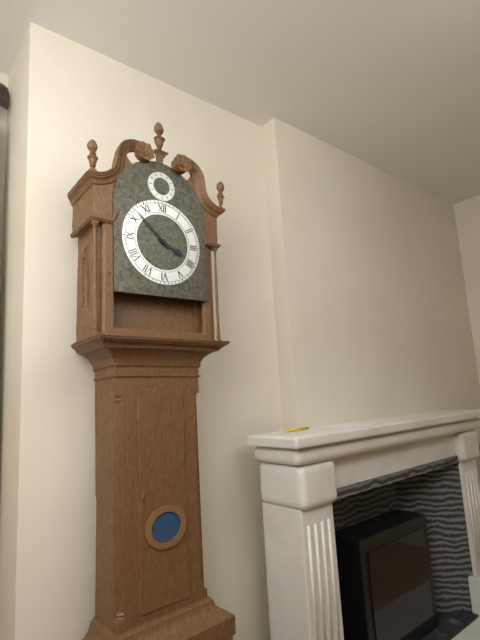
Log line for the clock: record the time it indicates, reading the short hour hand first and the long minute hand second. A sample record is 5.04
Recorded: 3.52
